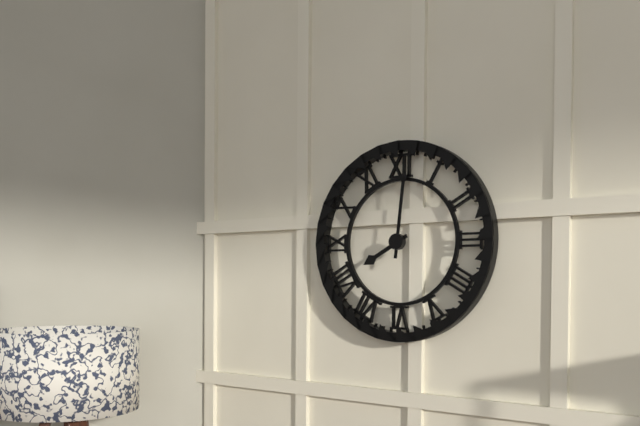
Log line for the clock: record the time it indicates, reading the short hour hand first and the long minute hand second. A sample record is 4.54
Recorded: 8.01
